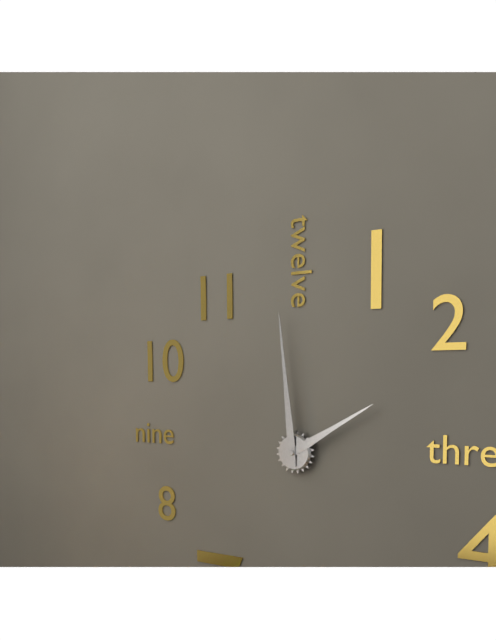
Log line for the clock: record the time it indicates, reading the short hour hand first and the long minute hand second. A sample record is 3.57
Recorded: 1.59
